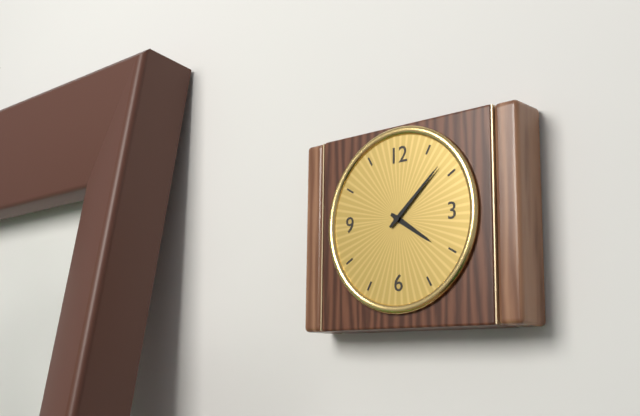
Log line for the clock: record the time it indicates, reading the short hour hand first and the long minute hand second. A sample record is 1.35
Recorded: 4.08
